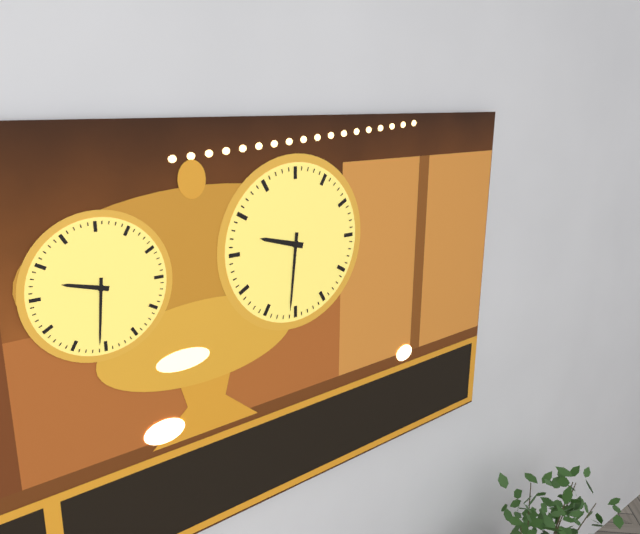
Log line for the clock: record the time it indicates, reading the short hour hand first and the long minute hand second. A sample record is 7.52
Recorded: 9.31
